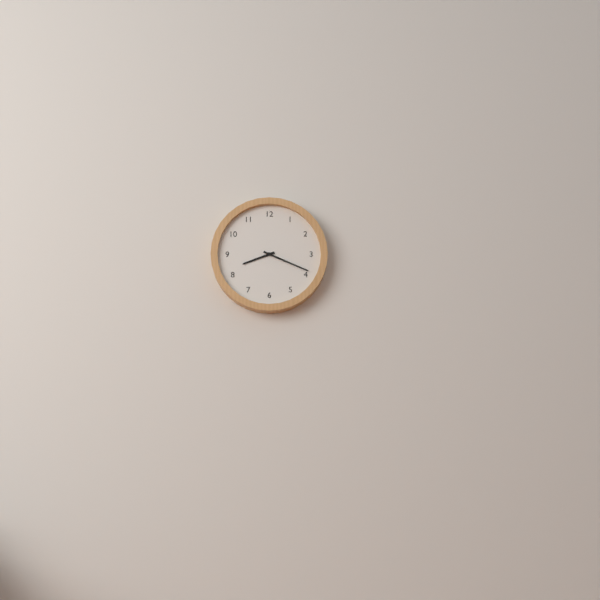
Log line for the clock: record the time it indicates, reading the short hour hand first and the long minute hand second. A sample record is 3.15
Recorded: 8.19
